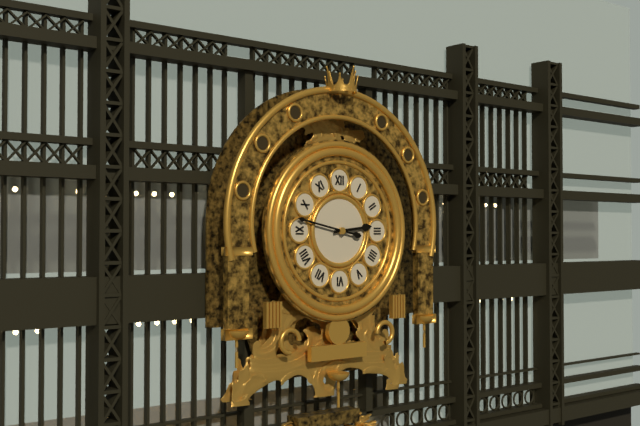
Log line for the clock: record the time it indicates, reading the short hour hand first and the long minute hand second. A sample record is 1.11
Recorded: 2.47
